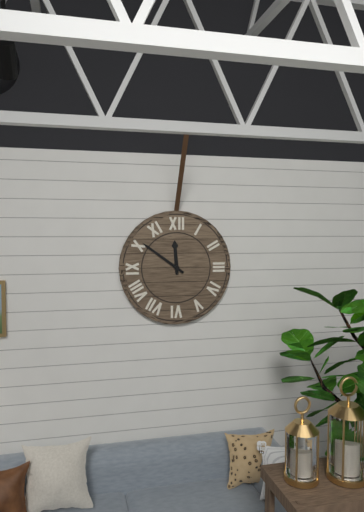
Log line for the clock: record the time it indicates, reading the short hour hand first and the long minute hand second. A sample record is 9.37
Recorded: 11.51
